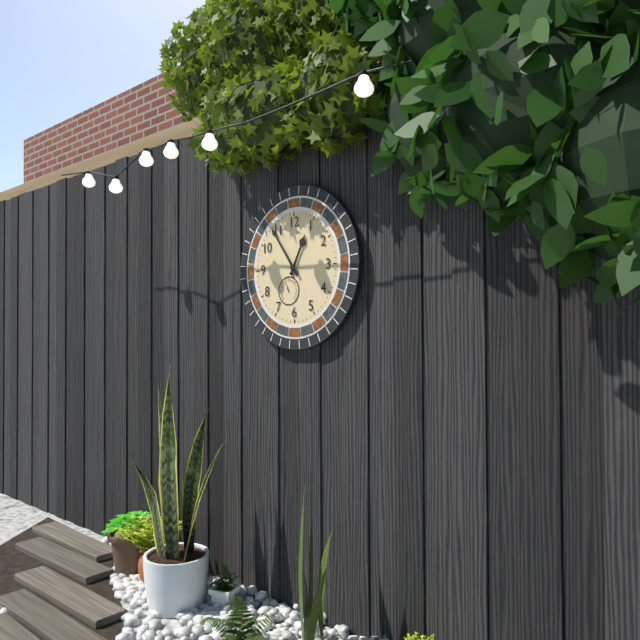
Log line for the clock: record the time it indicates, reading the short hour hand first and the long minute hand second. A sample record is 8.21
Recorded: 12.54
